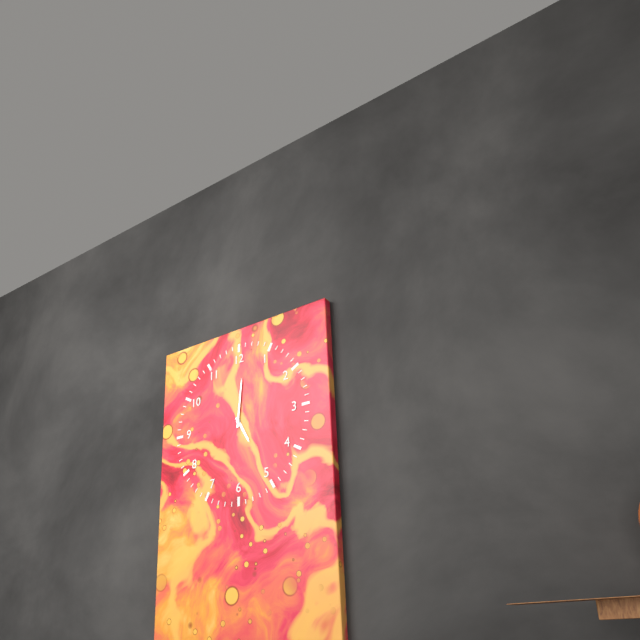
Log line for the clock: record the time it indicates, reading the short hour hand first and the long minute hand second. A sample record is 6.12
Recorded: 5.01
